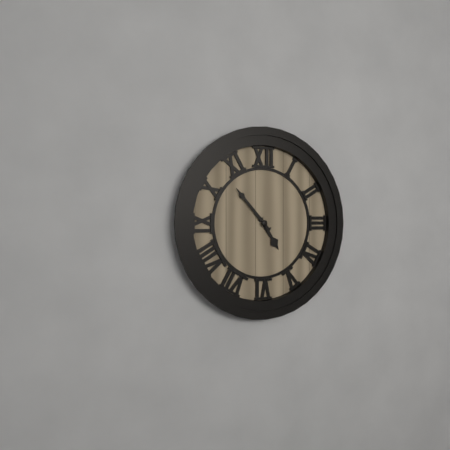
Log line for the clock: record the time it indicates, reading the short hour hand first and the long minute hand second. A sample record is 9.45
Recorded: 4.53
